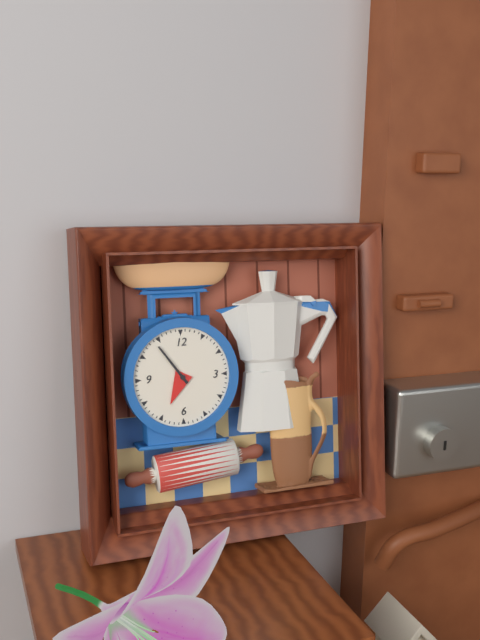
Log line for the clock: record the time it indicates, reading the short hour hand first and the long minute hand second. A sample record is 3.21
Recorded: 6.54
